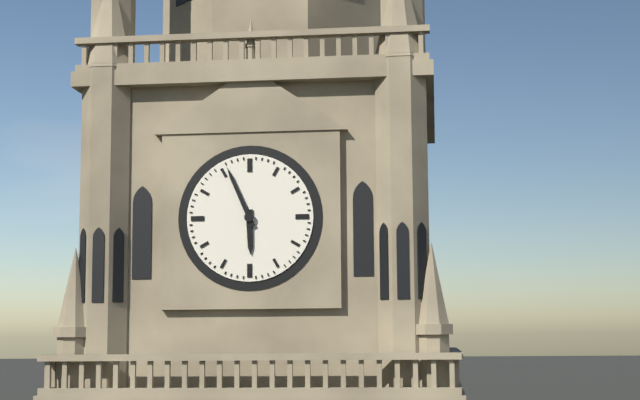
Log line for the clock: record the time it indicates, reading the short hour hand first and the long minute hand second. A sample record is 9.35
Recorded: 5.56
